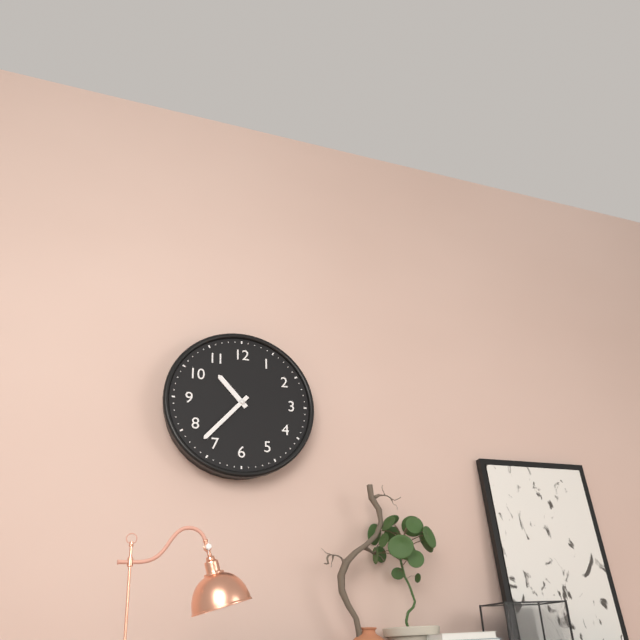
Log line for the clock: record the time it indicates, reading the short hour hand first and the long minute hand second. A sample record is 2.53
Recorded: 10.37
